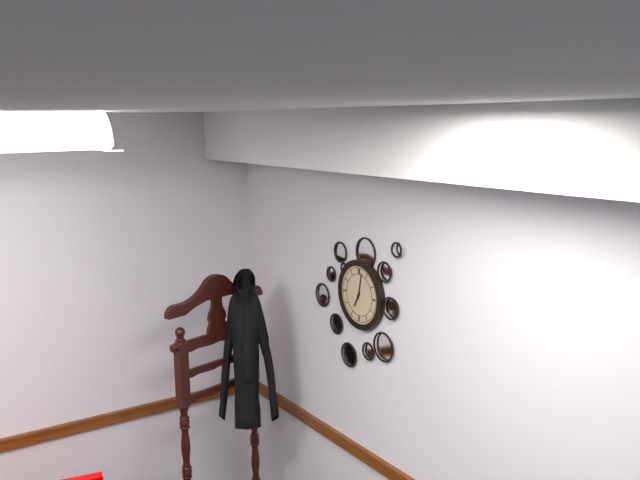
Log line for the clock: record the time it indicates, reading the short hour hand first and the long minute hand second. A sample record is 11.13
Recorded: 7.02
